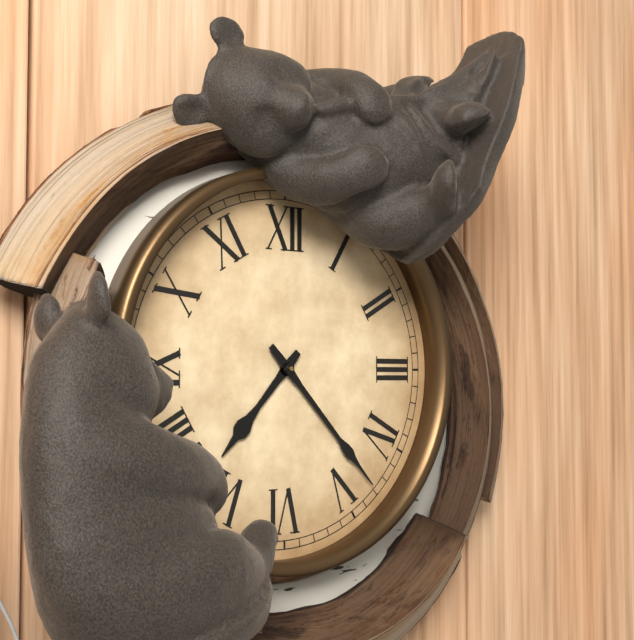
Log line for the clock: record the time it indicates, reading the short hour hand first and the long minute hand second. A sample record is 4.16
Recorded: 7.23
